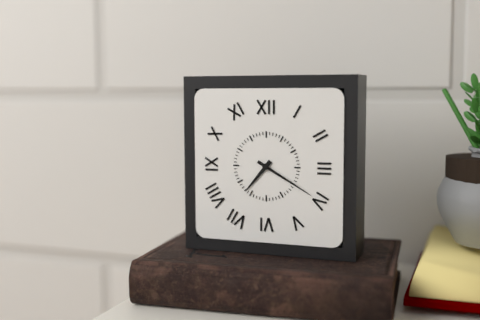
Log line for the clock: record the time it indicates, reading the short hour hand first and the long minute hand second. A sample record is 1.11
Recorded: 7.20
